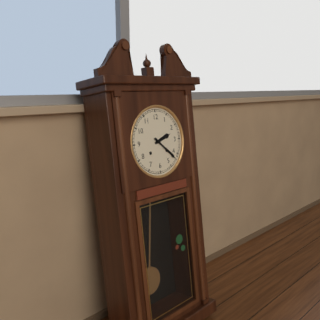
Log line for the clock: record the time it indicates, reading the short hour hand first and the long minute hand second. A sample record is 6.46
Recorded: 2.22
